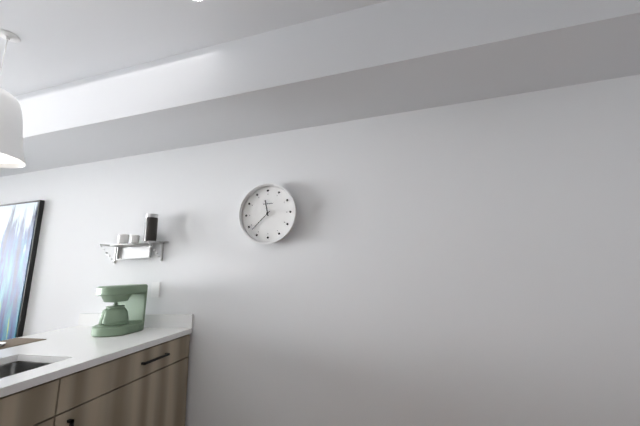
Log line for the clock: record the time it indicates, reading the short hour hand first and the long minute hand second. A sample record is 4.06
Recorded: 11.38
